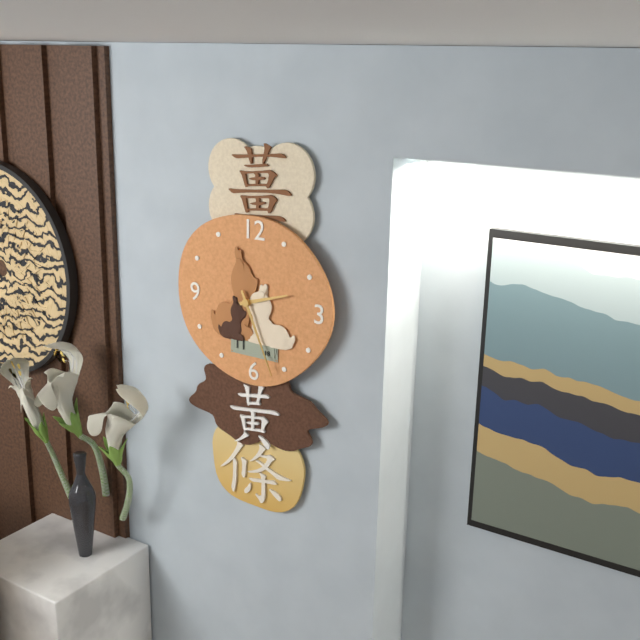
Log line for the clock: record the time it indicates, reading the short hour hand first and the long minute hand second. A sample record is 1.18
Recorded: 2.26
